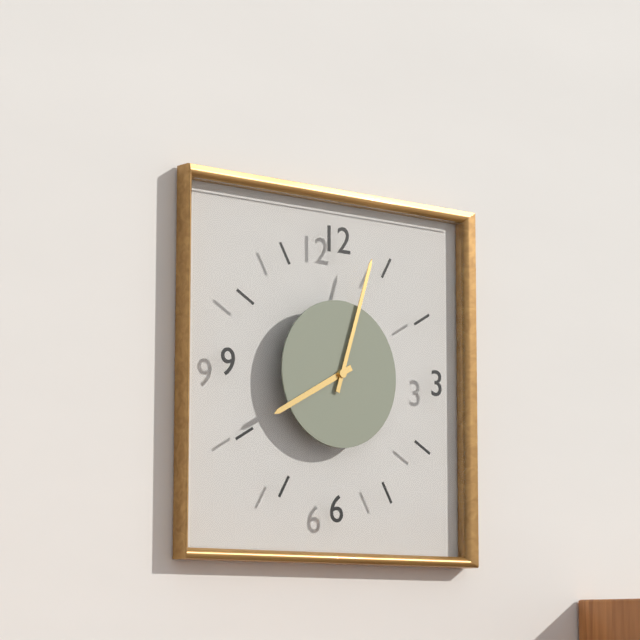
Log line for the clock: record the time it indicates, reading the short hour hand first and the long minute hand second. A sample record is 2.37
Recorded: 8.03
